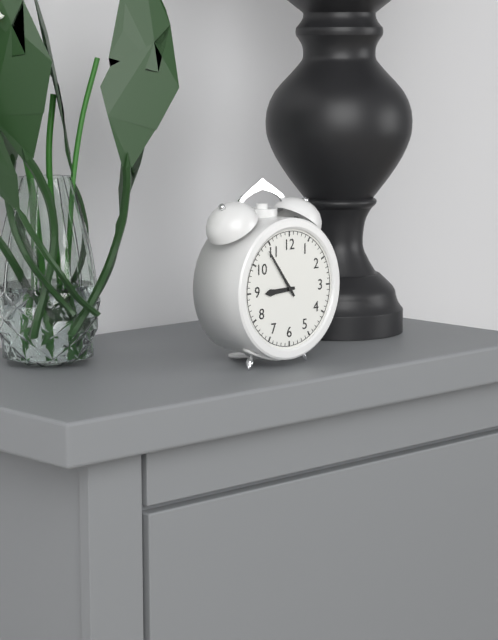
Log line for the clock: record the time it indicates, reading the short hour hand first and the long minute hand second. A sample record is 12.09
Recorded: 8.54
